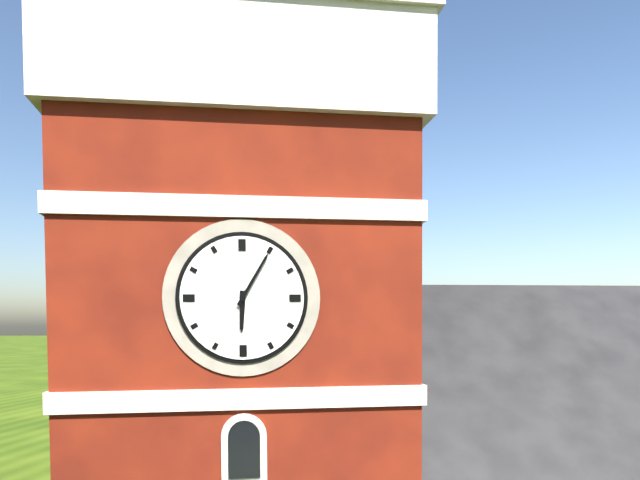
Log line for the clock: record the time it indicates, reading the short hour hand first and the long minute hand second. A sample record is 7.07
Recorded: 6.05
